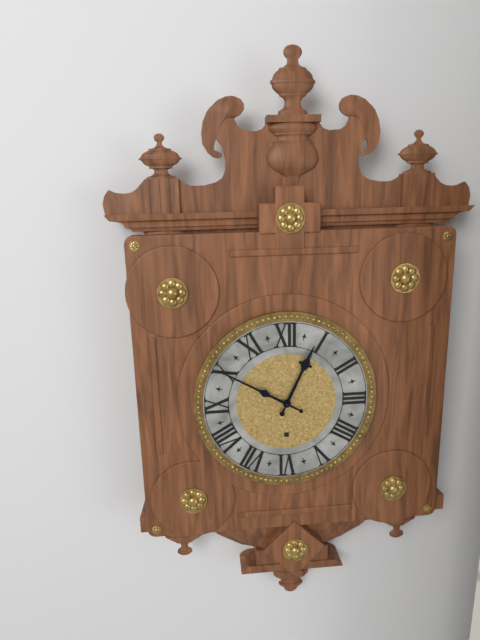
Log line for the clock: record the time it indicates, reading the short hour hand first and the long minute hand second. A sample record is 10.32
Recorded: 12.50
